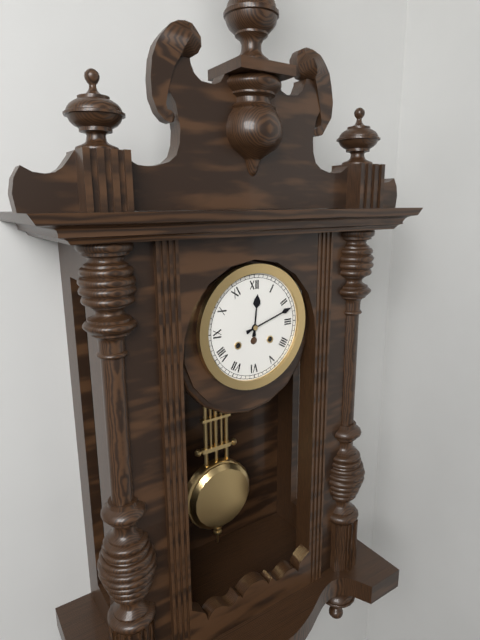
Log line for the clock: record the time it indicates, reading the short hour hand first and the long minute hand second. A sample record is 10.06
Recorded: 12.12
